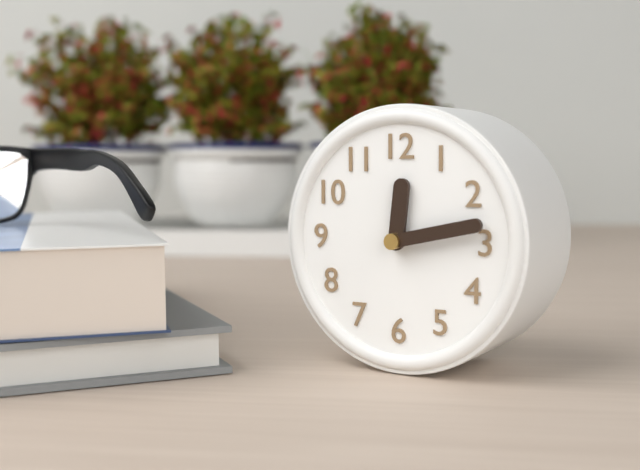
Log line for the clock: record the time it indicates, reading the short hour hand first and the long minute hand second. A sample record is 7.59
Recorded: 12.13
